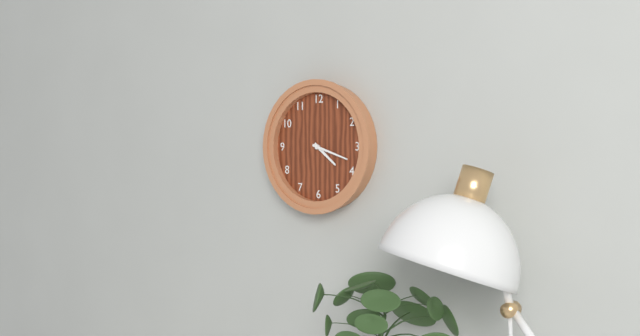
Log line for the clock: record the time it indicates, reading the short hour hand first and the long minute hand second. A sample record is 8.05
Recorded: 4.18
